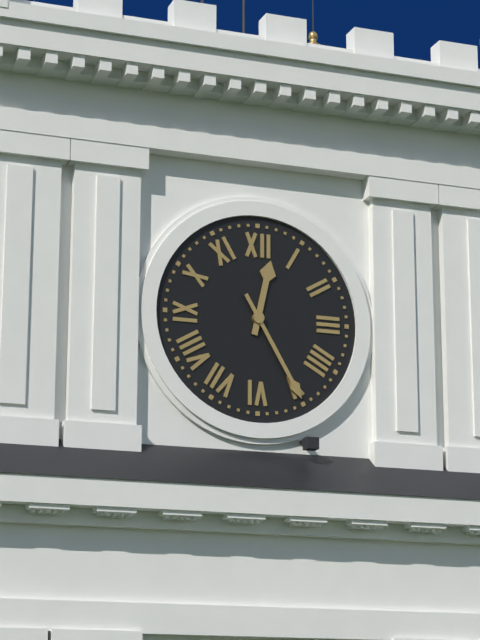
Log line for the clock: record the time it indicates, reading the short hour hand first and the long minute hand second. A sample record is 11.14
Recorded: 12.25
